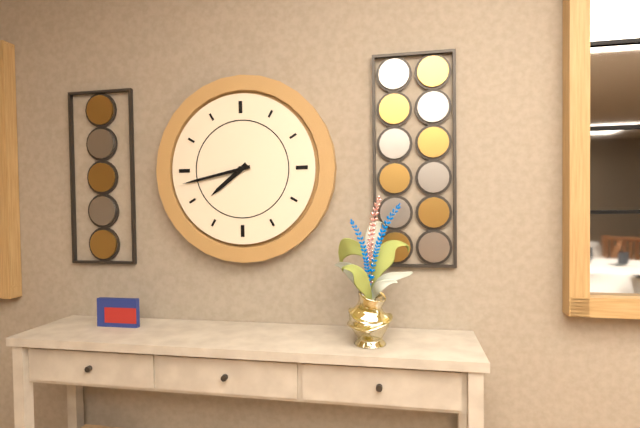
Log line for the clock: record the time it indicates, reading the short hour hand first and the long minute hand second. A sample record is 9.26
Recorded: 7.43
